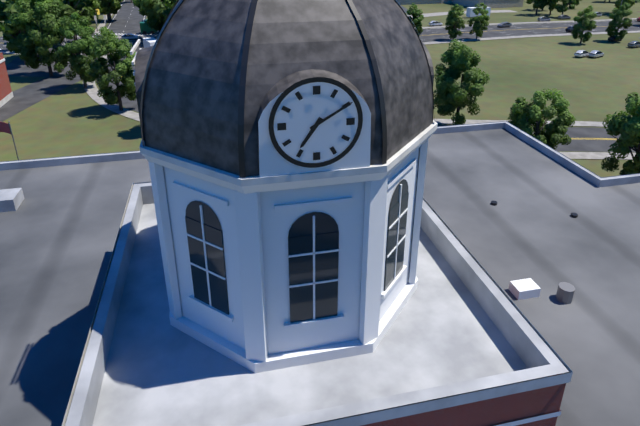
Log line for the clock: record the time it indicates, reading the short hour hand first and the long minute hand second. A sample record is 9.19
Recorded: 7.10
